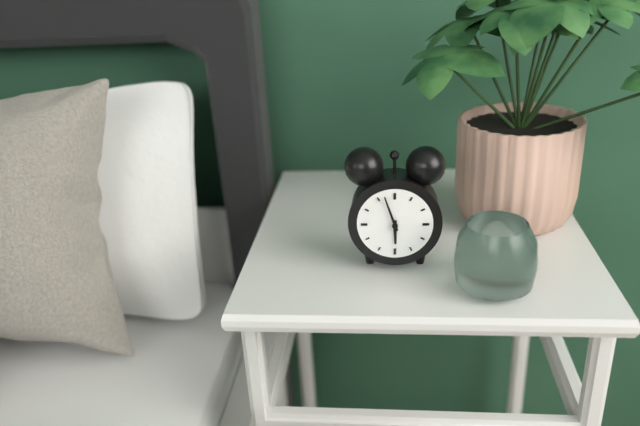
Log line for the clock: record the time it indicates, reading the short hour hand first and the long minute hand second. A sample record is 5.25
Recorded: 5.57
